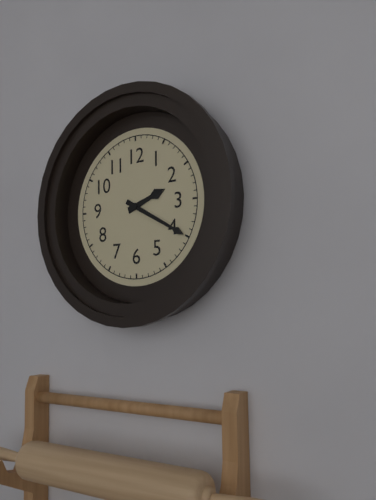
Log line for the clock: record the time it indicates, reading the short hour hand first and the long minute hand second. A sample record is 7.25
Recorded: 2.20
